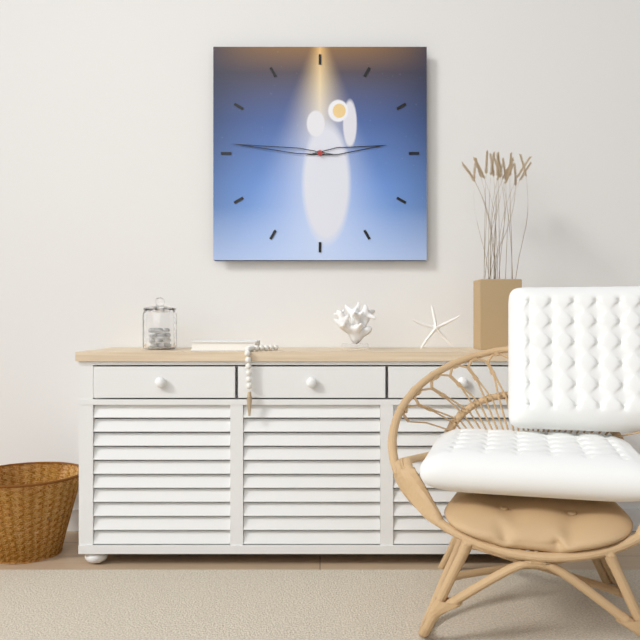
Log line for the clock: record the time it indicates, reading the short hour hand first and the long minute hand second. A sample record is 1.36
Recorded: 2.46
